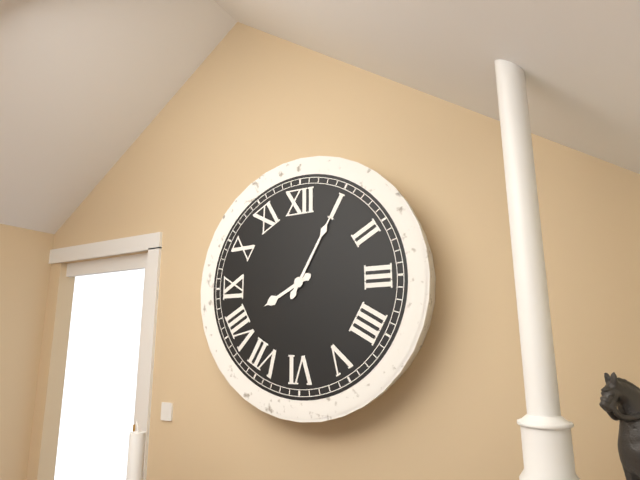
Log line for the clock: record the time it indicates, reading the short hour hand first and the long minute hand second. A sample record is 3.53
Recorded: 8.05
